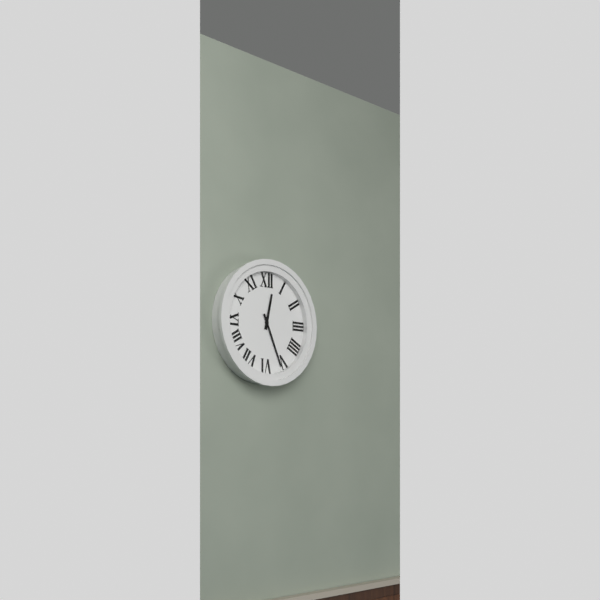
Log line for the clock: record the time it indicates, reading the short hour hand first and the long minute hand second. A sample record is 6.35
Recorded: 12.26
